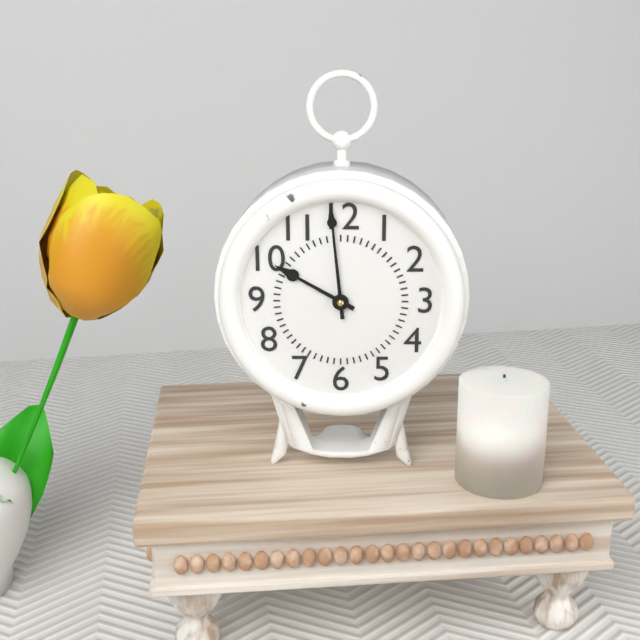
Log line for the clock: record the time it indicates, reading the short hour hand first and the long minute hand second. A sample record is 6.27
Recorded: 9.59
